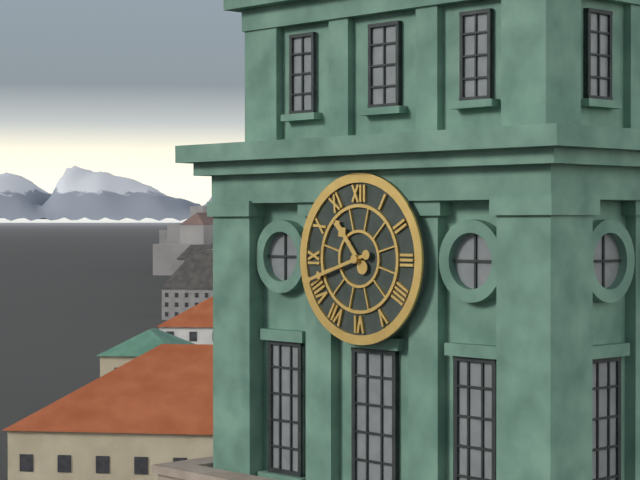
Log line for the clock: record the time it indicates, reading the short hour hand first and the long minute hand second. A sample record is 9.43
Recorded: 10.42
